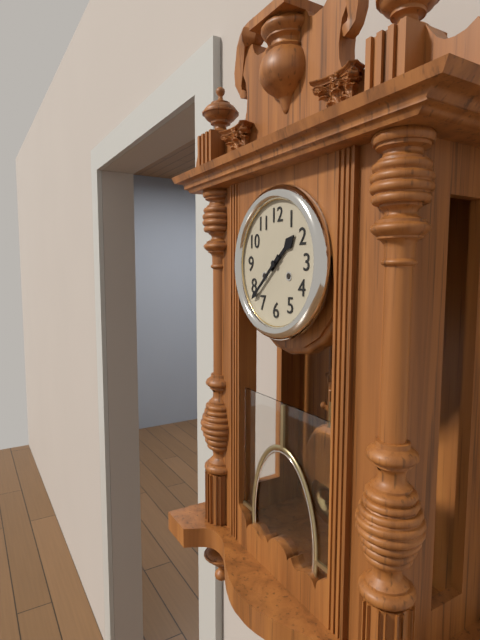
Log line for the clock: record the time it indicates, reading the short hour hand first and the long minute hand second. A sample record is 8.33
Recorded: 1.38
